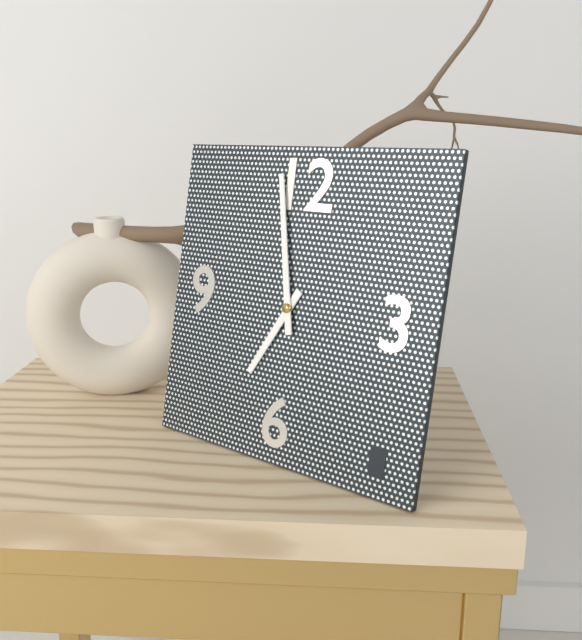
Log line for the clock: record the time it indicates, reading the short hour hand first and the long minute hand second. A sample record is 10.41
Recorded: 6.58
